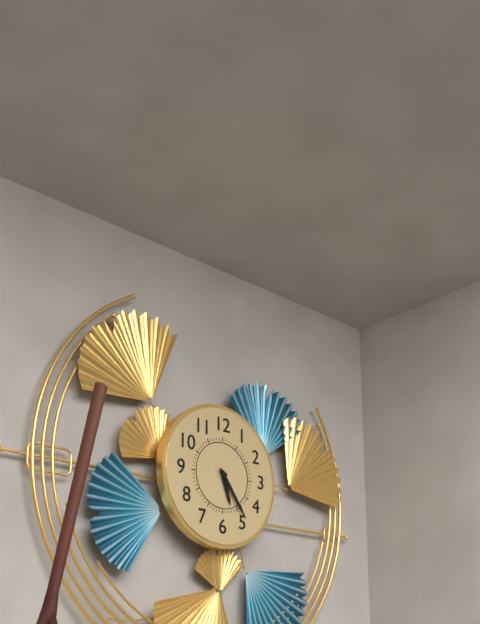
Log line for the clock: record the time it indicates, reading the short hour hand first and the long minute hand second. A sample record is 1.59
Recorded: 5.24
